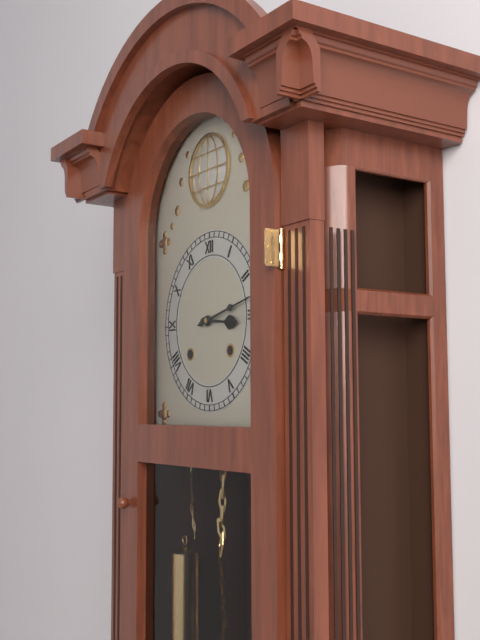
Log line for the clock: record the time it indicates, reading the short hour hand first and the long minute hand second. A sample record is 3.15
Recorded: 3.13
